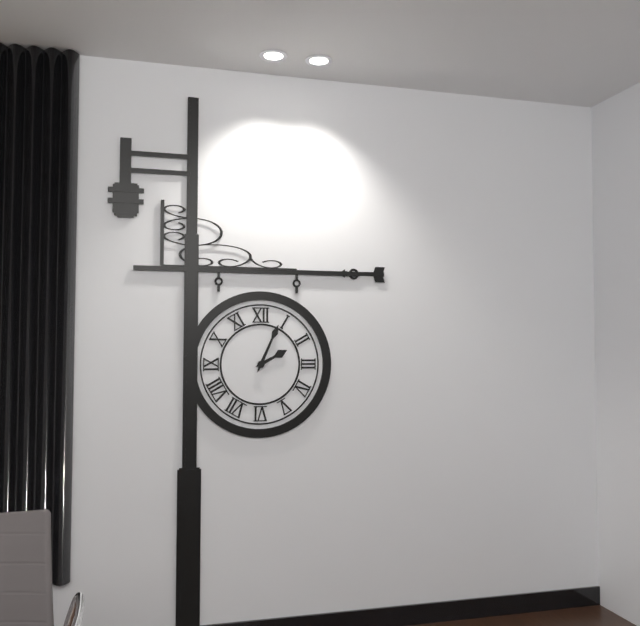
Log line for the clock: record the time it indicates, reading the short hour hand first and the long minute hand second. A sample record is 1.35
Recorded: 2.04
